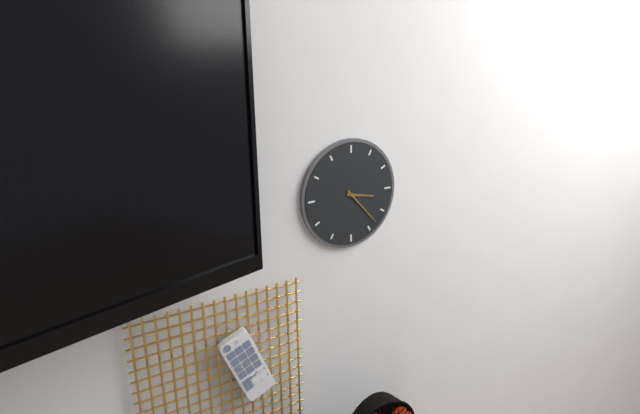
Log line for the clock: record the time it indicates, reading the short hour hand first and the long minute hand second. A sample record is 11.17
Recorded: 3.23
